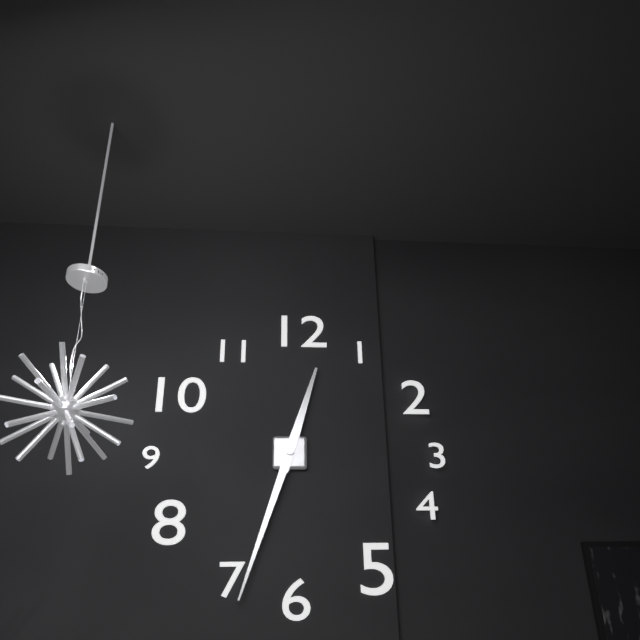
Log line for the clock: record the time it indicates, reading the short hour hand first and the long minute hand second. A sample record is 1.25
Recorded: 12.33
